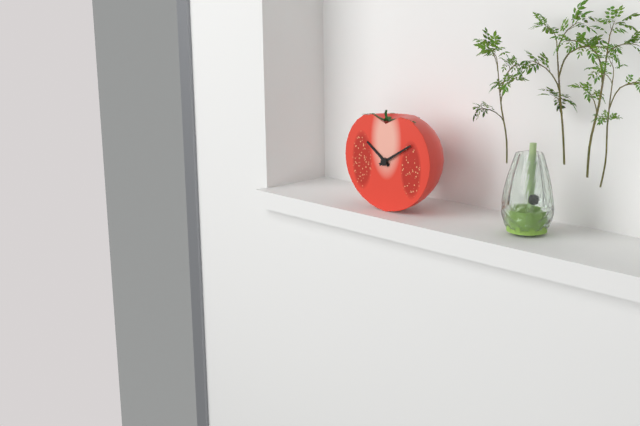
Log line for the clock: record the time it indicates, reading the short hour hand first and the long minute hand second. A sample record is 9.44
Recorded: 10.10
